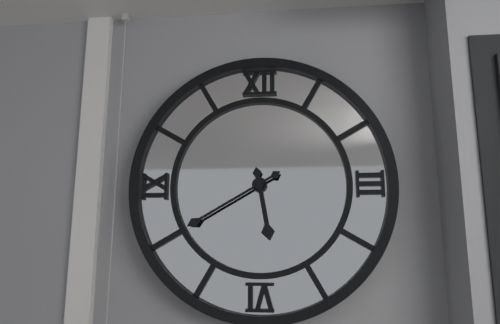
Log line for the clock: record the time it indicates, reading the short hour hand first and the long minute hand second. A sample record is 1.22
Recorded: 5.40
